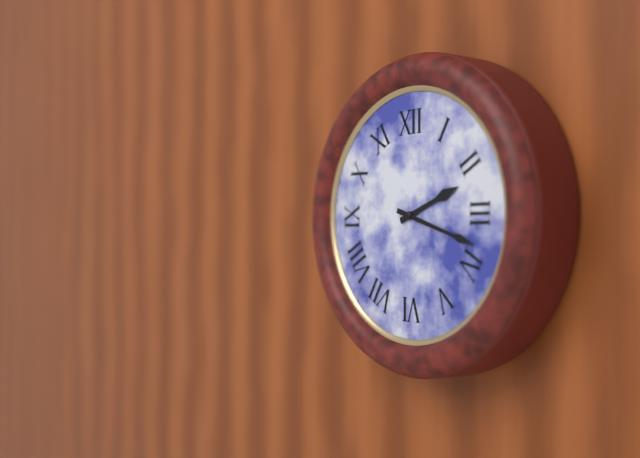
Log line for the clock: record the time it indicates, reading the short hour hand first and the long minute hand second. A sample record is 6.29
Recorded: 2.18
